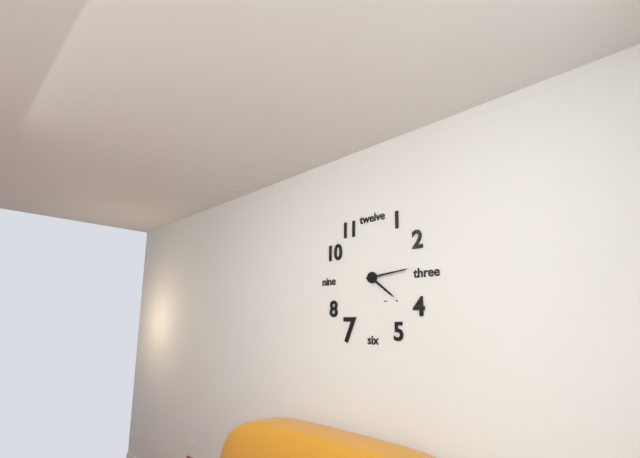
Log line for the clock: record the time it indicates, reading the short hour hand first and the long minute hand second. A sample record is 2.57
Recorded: 4.14
